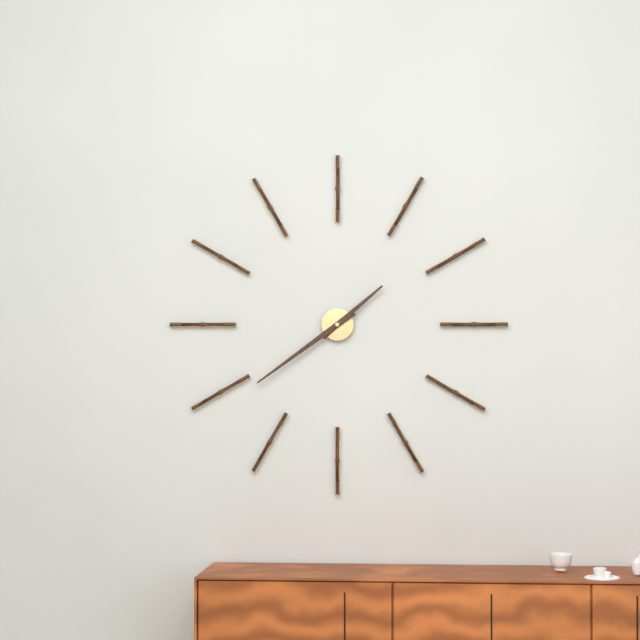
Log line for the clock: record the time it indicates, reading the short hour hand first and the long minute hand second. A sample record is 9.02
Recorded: 1.39
